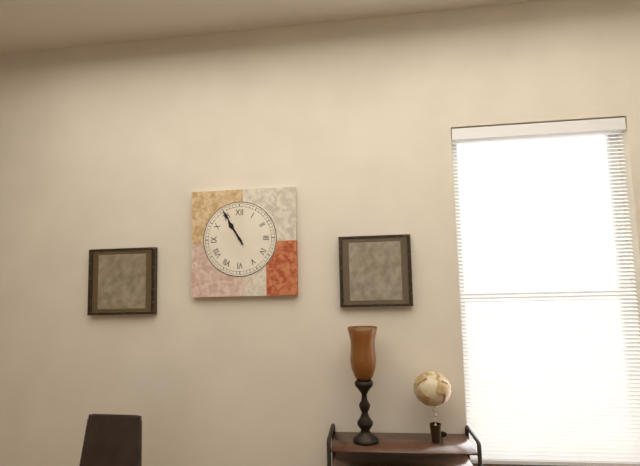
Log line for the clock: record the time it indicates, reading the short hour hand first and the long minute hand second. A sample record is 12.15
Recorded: 10.55
